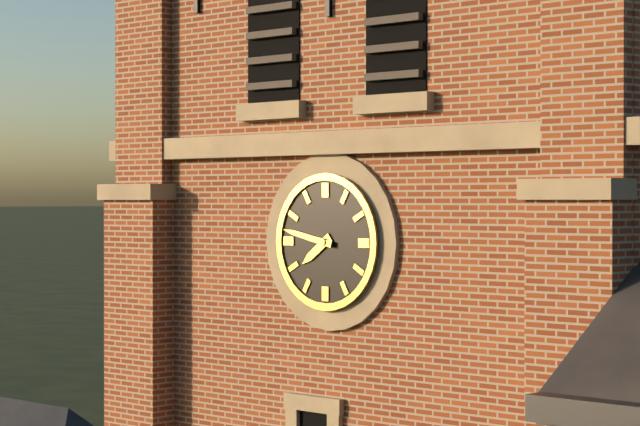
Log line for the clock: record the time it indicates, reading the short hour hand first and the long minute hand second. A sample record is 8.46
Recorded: 7.47
